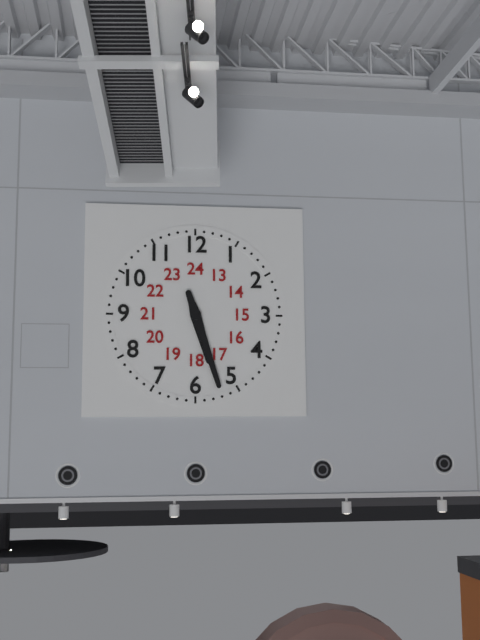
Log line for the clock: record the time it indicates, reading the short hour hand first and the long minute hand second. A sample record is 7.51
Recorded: 5.27
